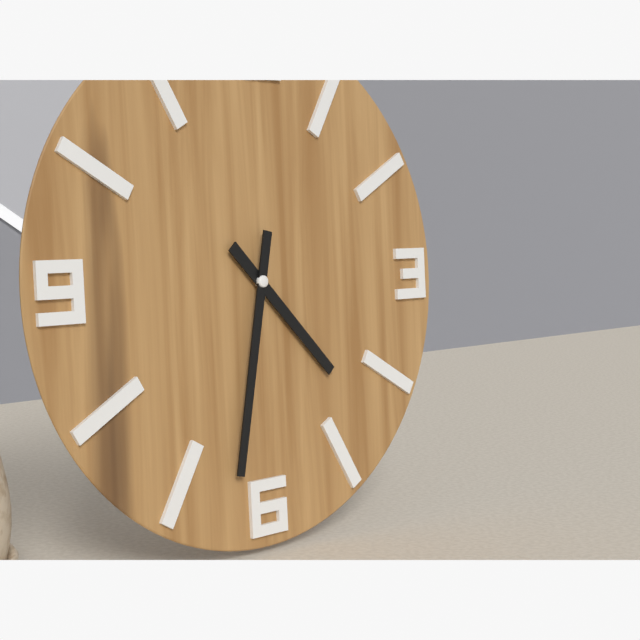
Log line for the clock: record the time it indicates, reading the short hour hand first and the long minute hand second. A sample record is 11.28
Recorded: 4.32
